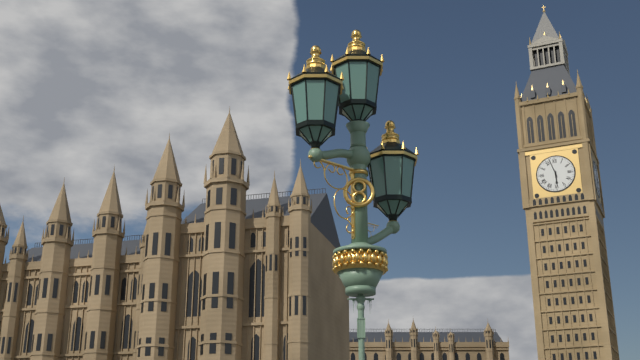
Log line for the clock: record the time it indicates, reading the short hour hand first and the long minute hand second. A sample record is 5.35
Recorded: 5.57
